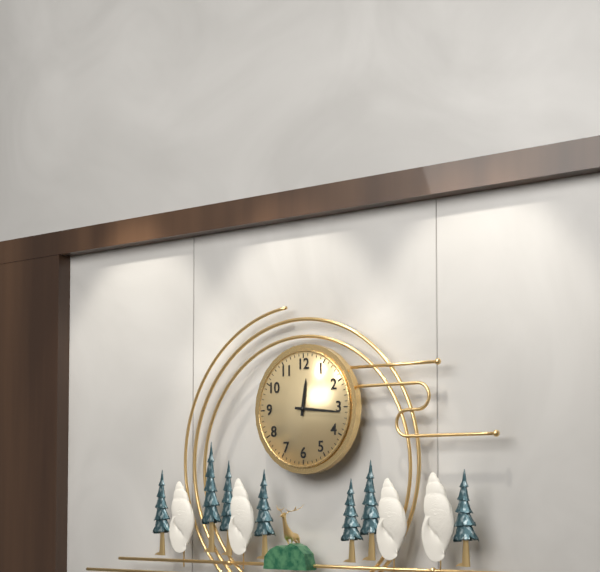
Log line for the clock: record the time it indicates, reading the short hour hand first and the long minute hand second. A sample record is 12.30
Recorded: 12.16
